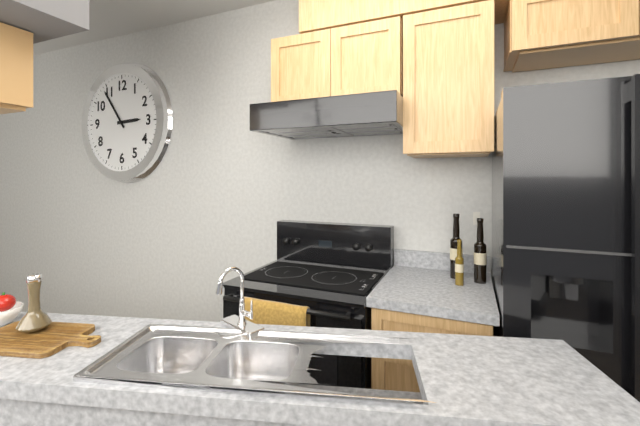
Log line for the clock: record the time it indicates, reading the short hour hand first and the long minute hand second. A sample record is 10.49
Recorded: 2.54
